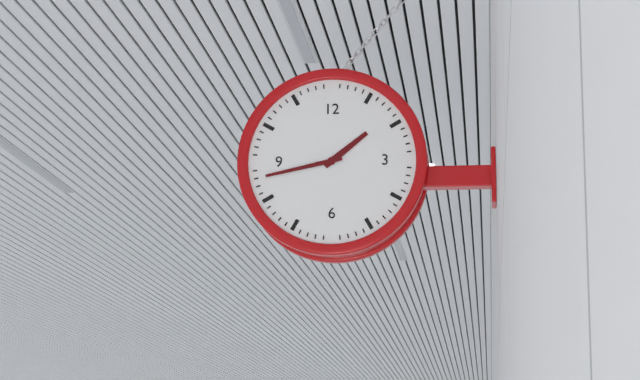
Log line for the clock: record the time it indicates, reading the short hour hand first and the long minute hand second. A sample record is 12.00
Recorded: 1.43
